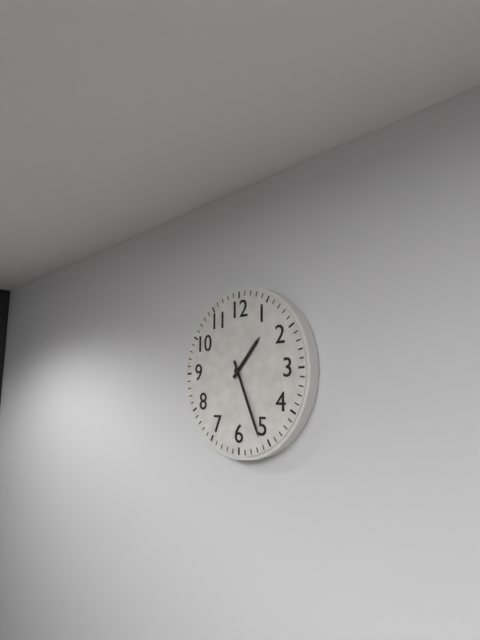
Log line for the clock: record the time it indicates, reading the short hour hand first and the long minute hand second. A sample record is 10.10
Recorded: 1.26
